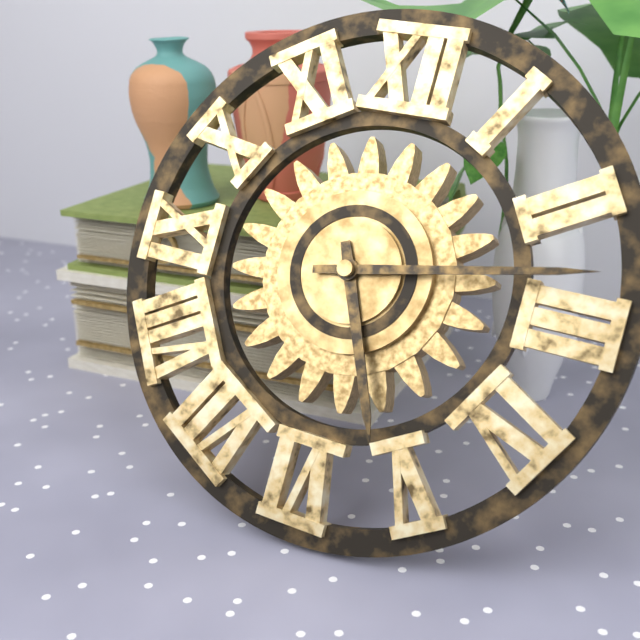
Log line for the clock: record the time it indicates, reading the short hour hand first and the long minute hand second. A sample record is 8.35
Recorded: 5.13
